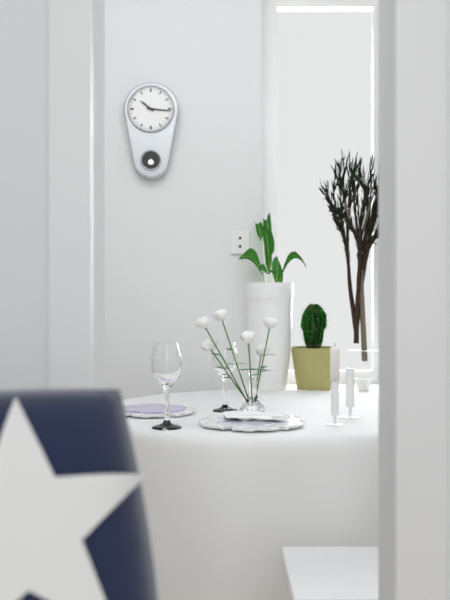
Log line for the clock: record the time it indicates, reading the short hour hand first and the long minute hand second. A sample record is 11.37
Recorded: 10.16
